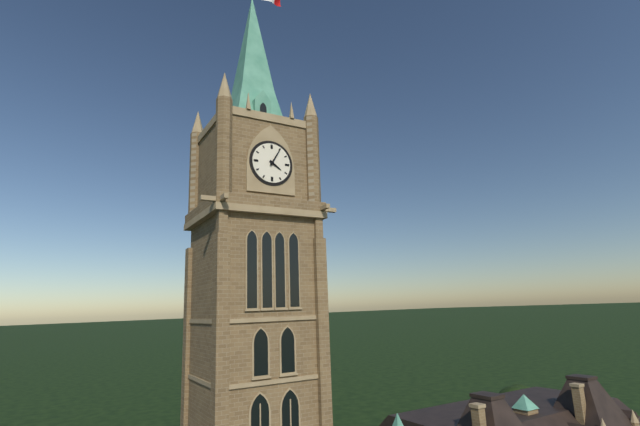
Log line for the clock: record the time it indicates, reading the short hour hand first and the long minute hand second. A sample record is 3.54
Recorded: 4.05
